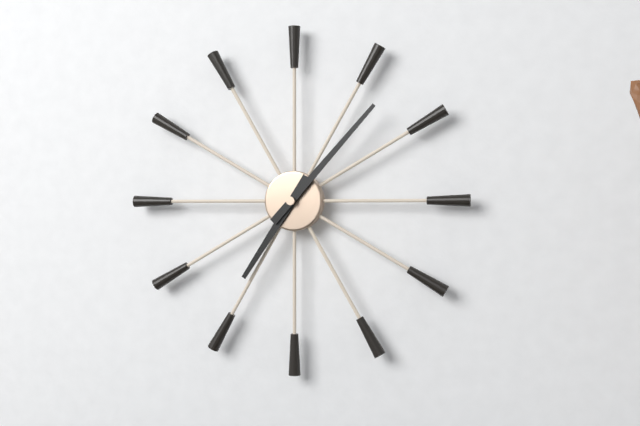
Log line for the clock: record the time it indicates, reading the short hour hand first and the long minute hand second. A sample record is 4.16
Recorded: 7.07
